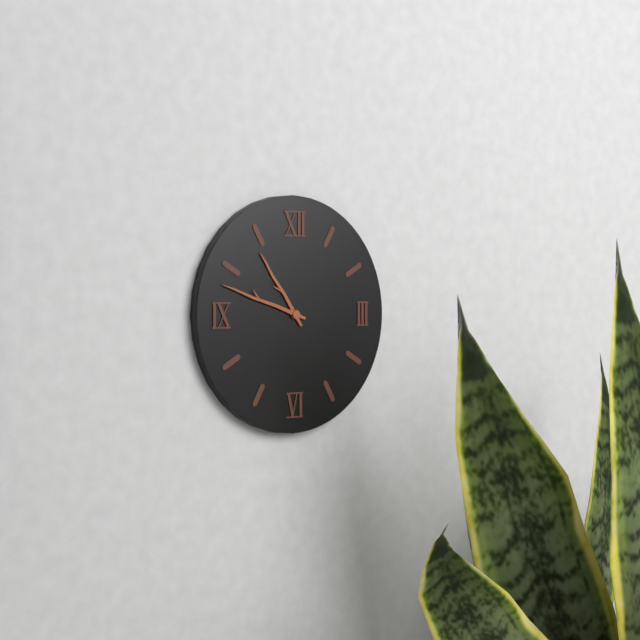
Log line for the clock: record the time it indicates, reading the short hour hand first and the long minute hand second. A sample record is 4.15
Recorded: 10.48
